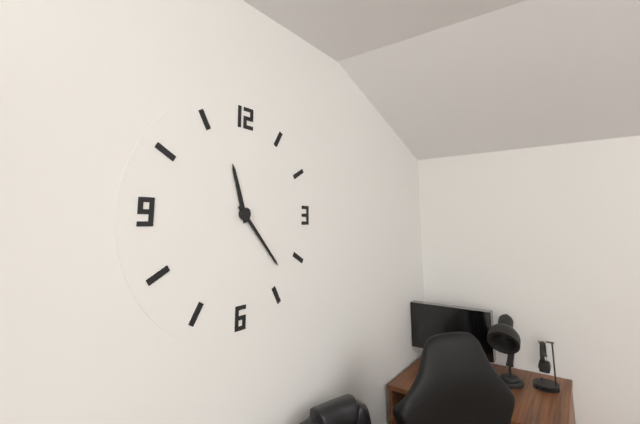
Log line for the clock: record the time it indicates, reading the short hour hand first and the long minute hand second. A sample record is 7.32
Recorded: 11.23
